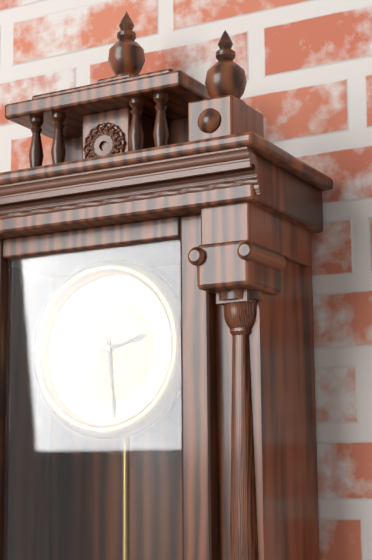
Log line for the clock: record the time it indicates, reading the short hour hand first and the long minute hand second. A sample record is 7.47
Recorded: 2.29
